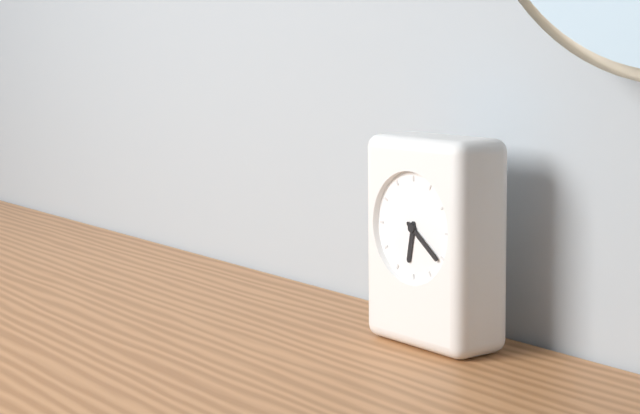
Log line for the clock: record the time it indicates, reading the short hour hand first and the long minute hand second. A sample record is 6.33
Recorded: 6.21
